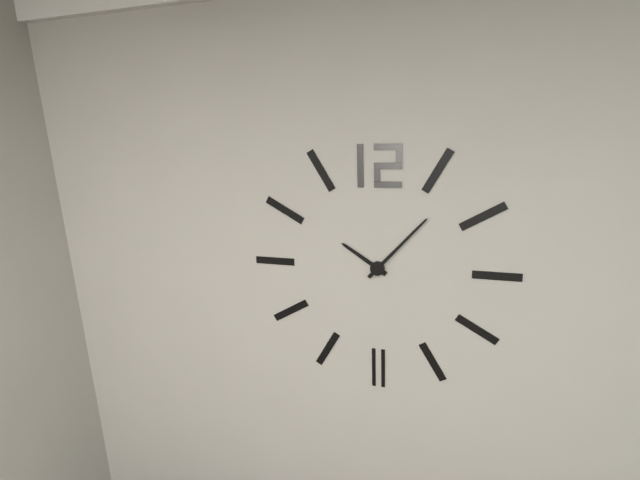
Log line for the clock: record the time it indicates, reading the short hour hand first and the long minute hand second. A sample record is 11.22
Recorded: 10.07
